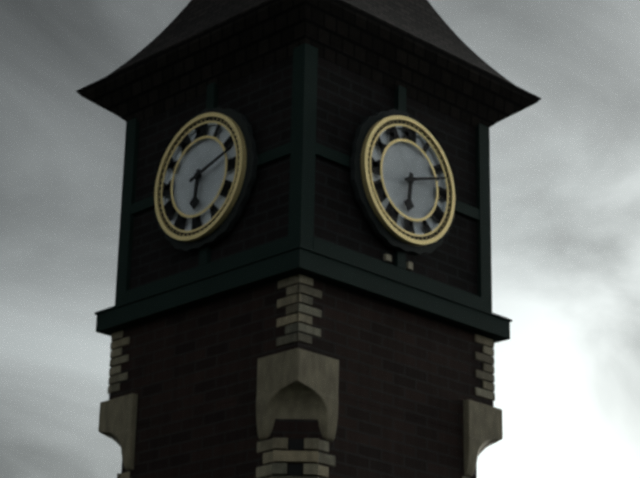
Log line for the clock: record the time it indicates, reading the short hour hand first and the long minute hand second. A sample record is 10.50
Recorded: 6.12
